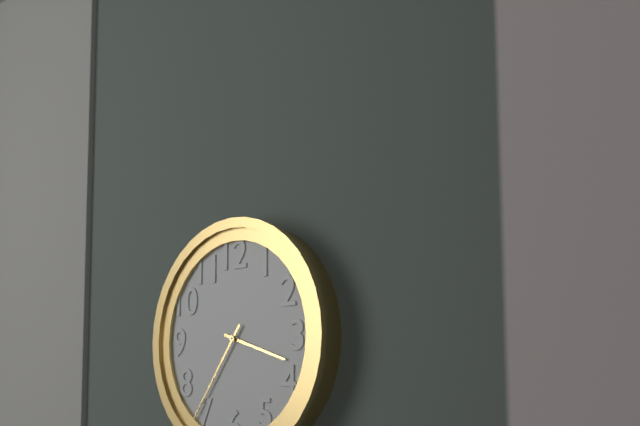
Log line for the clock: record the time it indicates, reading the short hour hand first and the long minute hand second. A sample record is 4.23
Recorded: 3.36
